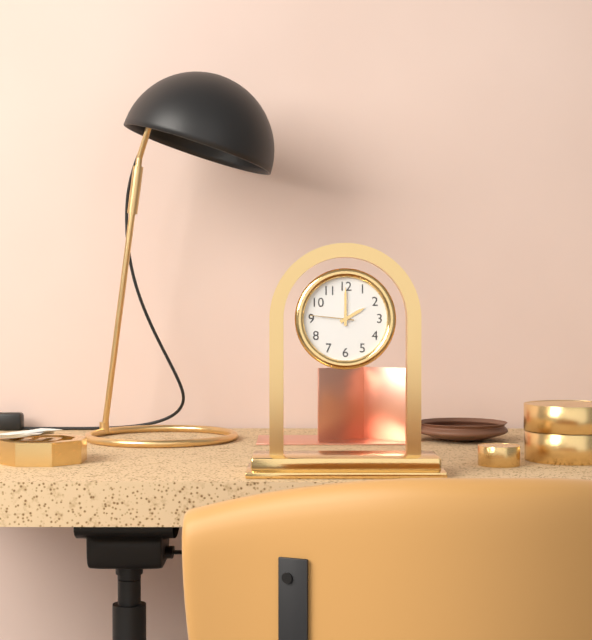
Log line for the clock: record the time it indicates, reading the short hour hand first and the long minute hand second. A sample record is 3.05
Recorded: 2.00
